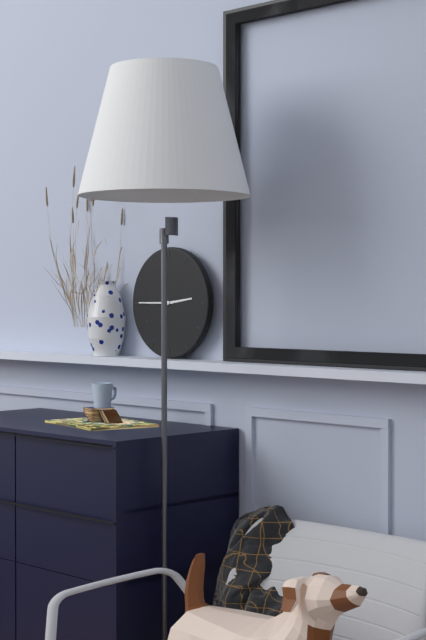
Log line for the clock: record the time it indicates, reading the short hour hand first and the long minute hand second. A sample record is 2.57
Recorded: 2.45
